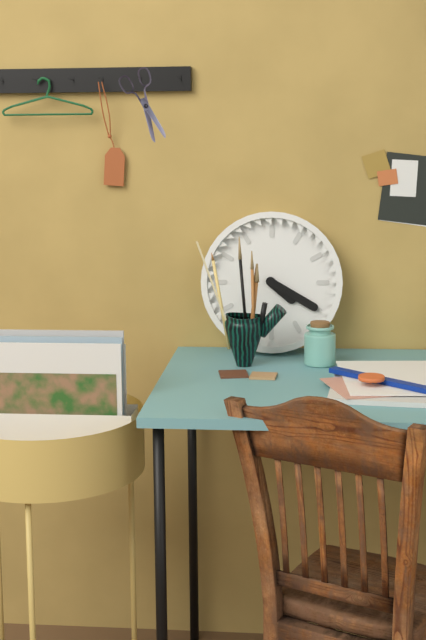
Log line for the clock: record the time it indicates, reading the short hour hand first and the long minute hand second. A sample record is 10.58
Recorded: 4.20
